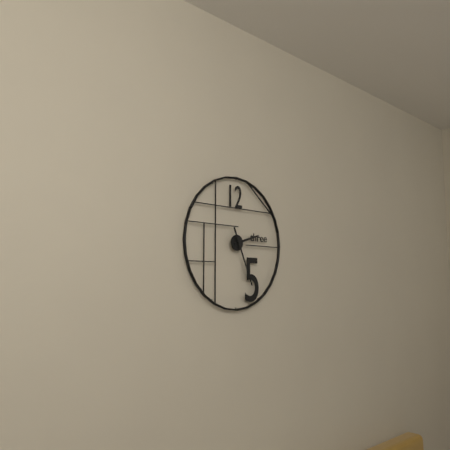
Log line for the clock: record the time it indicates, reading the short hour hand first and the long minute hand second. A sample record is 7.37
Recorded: 2.26
